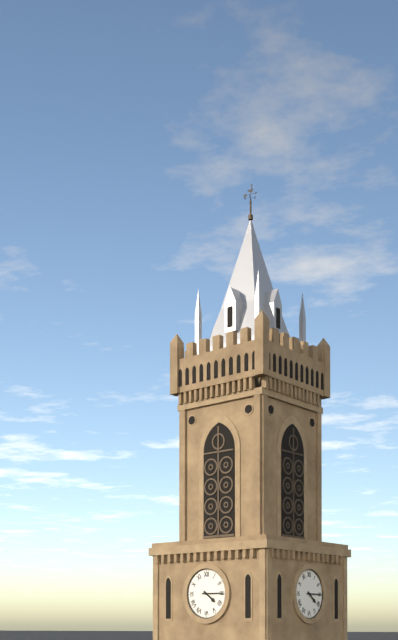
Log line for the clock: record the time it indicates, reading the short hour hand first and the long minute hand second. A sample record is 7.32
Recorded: 4.15
